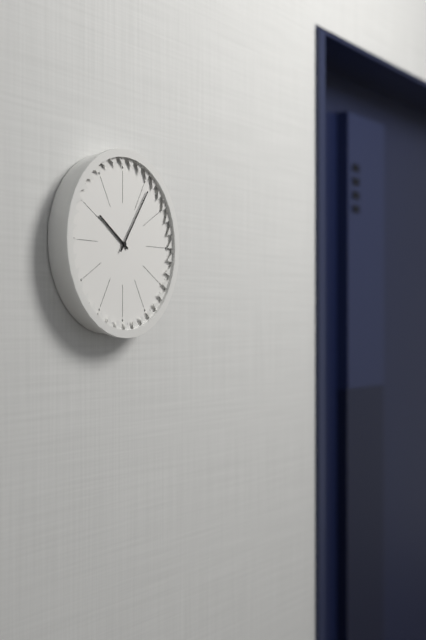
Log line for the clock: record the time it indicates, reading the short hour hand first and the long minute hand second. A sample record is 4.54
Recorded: 10.06
